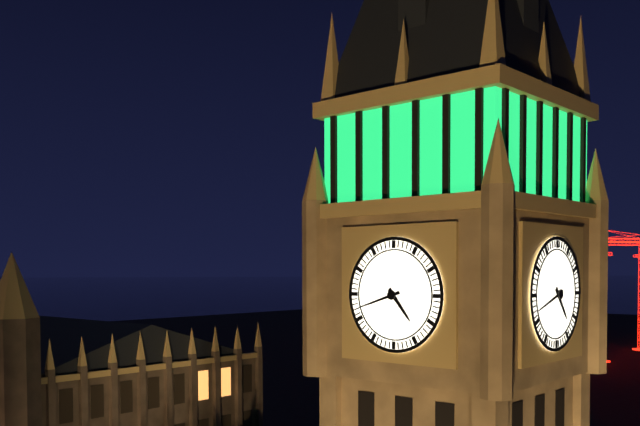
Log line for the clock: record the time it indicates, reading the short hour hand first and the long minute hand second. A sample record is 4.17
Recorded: 4.42
